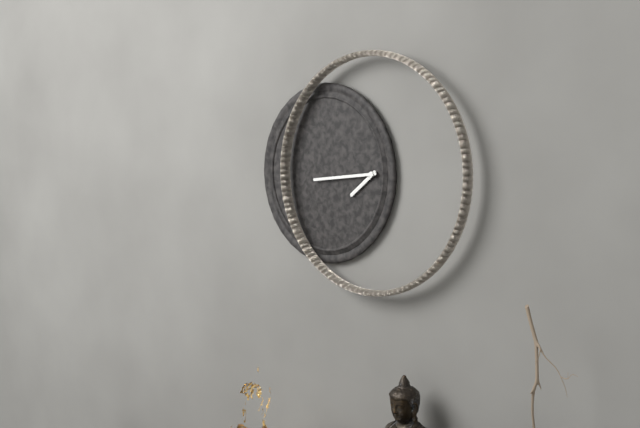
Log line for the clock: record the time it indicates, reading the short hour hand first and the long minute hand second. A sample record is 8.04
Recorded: 7.44
